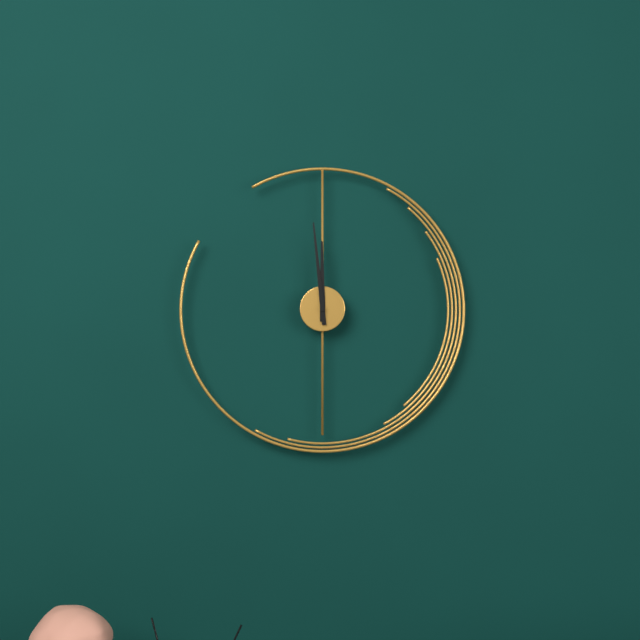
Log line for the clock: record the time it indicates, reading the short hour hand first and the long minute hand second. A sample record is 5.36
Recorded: 11.59
